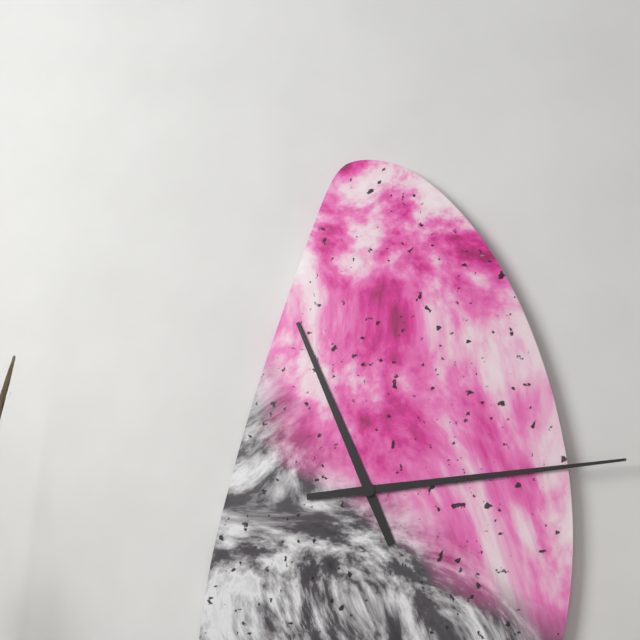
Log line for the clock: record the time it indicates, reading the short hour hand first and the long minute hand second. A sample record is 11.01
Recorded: 11.14
